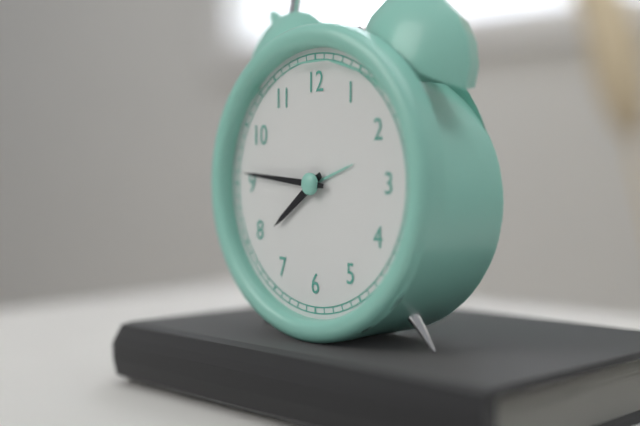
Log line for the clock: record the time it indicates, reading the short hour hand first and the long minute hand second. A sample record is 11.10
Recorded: 7.46
